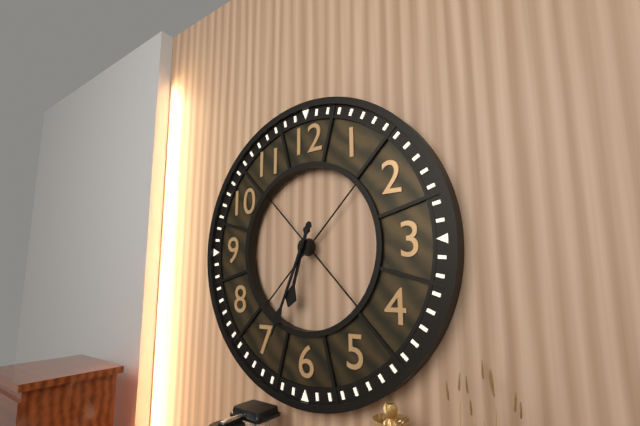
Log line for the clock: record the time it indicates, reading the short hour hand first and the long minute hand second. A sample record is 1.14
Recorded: 6.34
